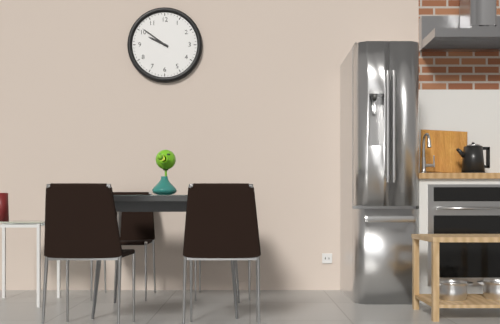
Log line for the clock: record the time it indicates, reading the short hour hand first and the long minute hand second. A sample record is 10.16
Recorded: 9.51
